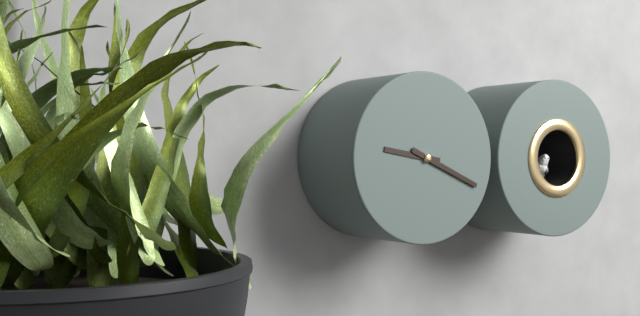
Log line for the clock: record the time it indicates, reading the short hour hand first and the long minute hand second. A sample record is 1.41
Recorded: 9.19
